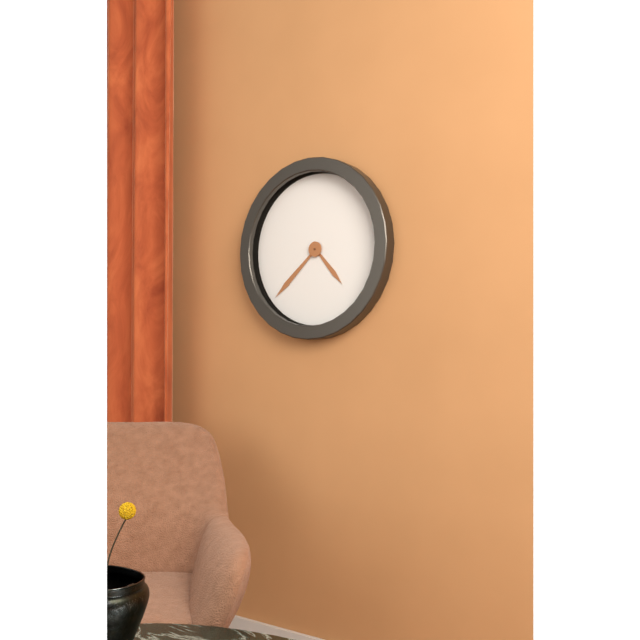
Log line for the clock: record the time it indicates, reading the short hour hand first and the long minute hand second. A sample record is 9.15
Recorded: 4.38
